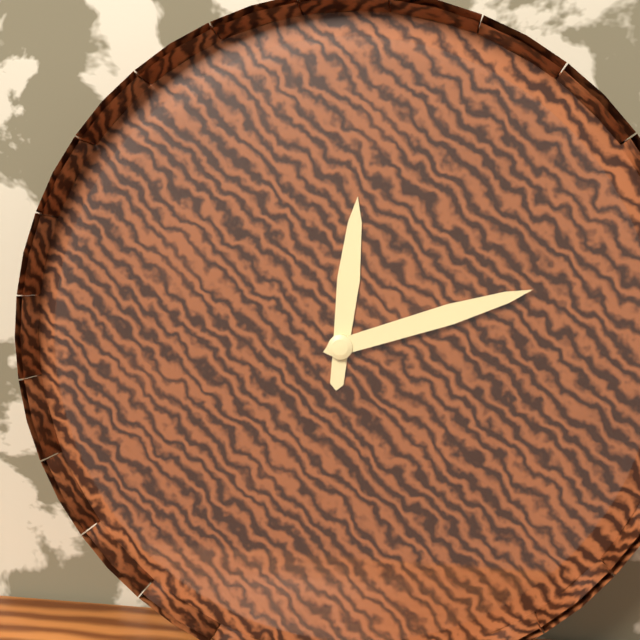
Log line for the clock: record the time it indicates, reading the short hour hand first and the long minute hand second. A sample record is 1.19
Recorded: 12.12
